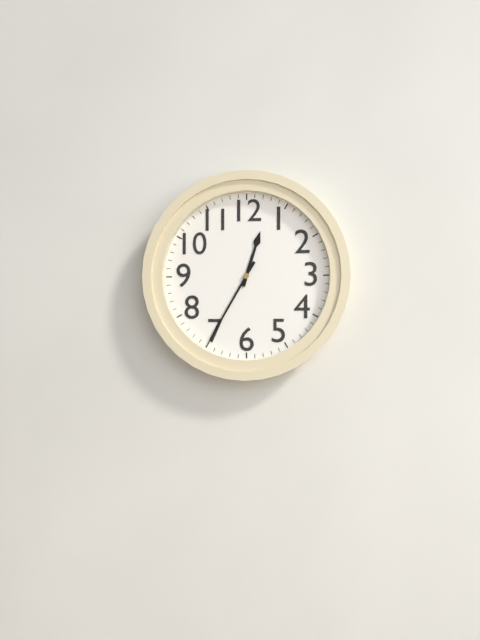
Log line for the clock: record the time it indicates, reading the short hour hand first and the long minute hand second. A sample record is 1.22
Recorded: 12.35
